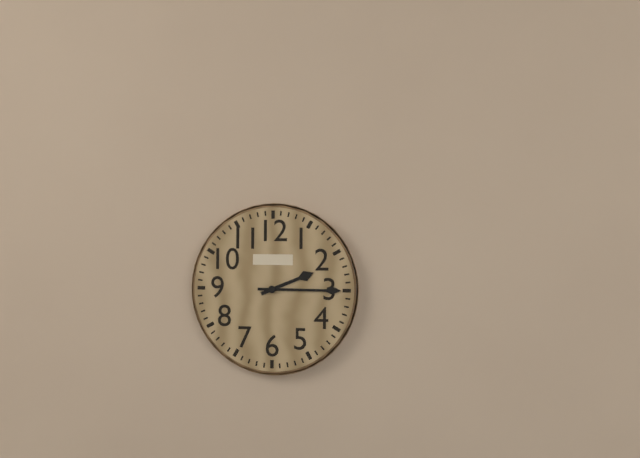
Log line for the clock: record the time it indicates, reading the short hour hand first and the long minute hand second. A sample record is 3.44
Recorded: 2.15
